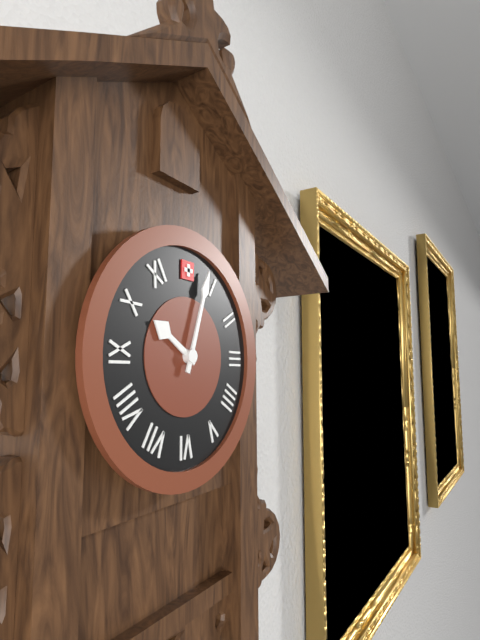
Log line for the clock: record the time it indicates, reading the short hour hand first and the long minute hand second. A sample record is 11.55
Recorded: 10.03
